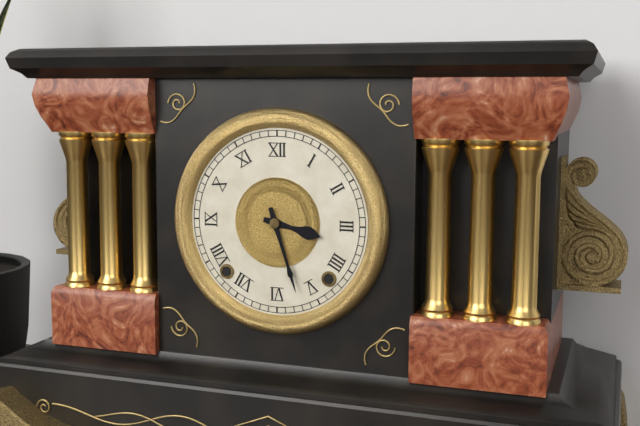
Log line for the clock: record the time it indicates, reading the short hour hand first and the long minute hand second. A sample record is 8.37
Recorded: 3.27
